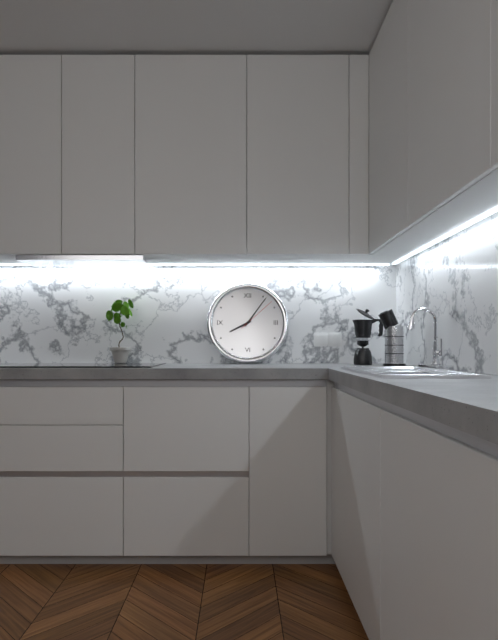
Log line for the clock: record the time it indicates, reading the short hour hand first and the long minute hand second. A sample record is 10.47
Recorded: 8.06
